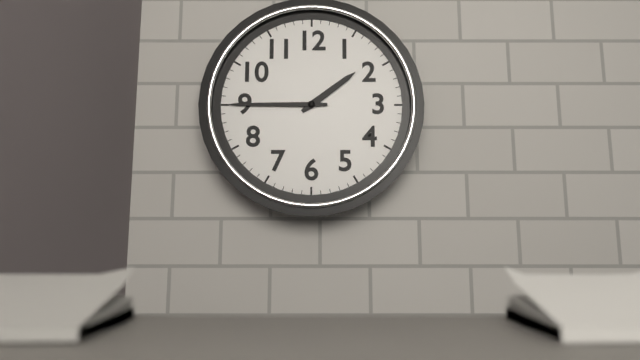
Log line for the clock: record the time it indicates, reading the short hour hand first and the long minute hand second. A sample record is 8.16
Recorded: 1.45
